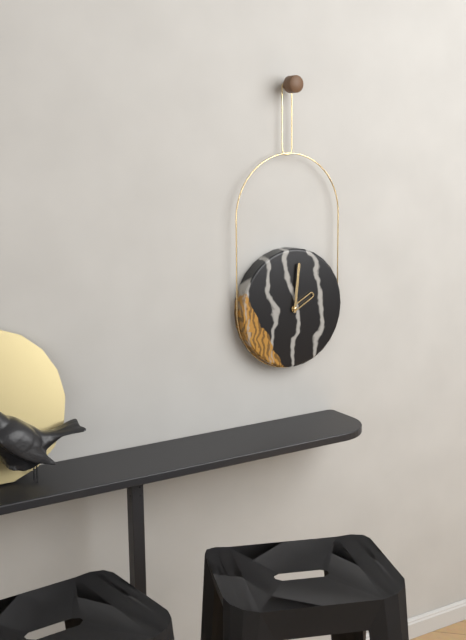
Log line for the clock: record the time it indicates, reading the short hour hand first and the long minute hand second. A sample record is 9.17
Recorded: 2.01
